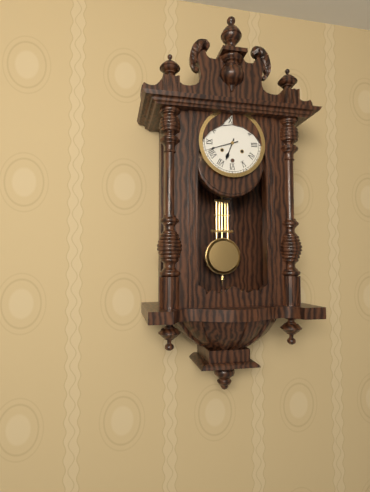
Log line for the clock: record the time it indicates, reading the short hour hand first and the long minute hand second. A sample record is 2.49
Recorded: 6.42
